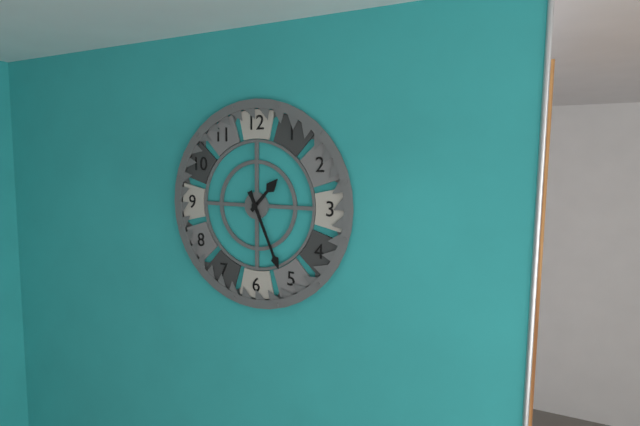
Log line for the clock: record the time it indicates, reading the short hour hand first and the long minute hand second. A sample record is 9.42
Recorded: 1.26
